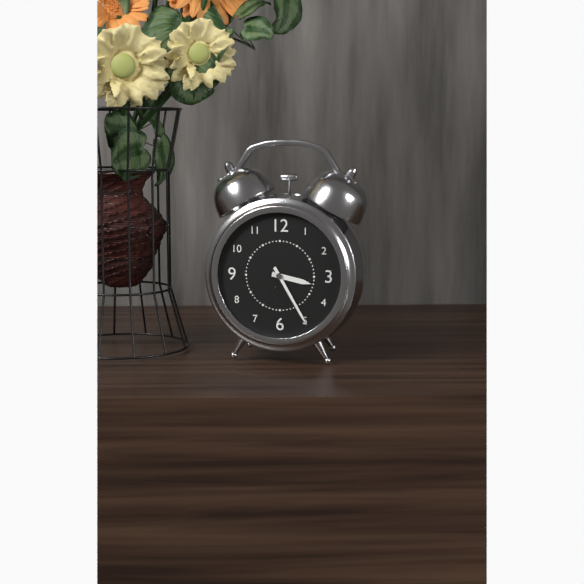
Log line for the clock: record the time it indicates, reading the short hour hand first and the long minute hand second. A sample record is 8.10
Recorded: 3.25
